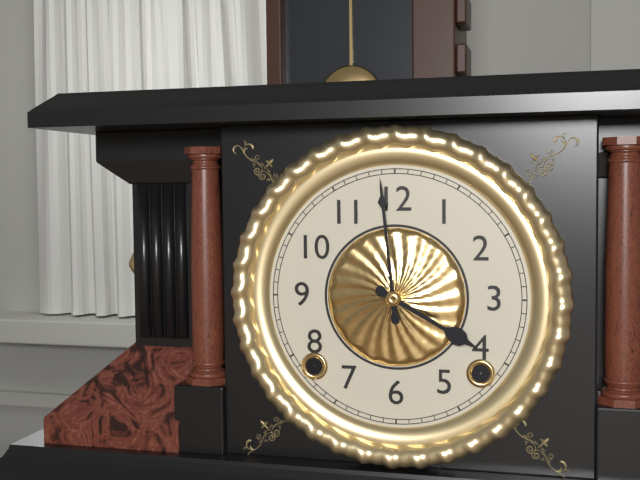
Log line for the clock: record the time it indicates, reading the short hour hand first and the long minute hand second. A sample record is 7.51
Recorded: 3.59
